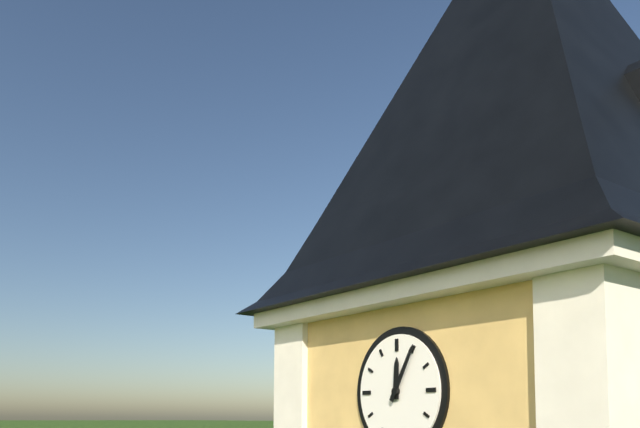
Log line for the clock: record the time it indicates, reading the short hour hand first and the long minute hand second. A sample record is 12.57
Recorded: 12.05
